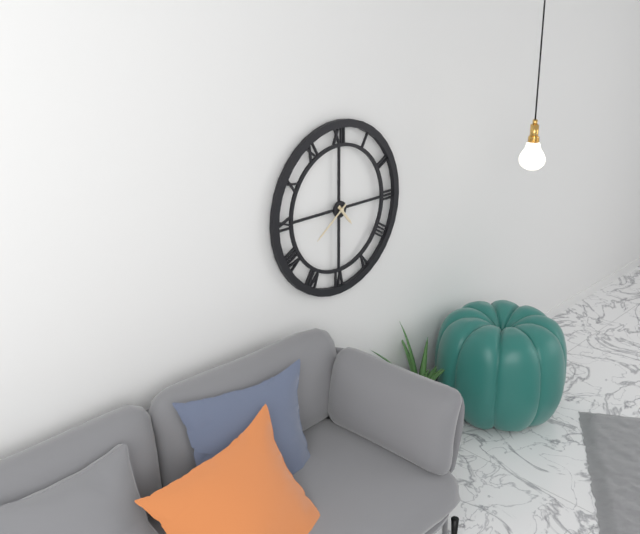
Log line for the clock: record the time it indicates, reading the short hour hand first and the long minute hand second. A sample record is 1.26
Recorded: 4.39
